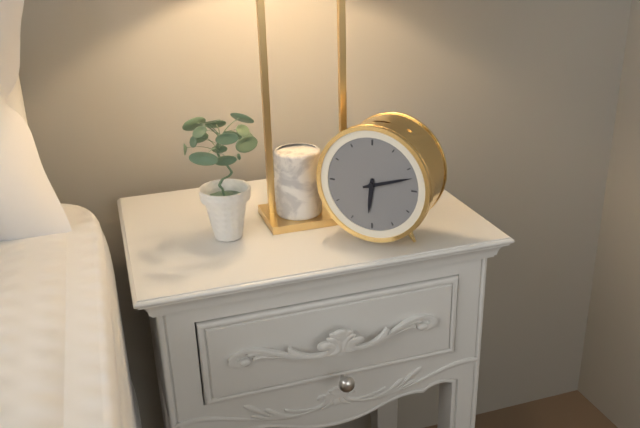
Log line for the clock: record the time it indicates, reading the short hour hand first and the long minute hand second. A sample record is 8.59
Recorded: 6.12
